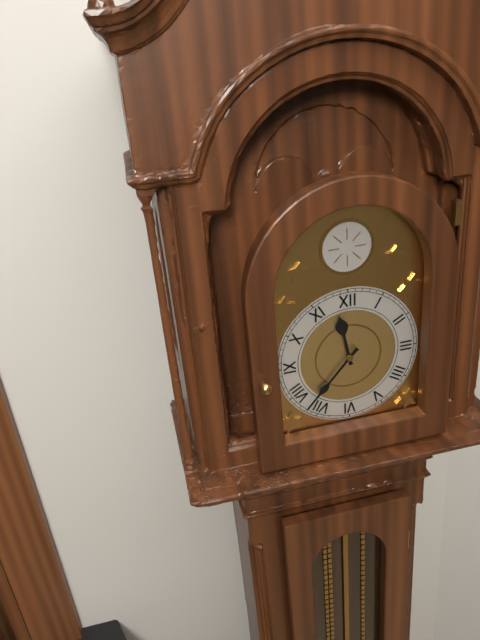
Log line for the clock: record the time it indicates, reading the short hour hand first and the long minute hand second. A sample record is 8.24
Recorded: 11.37
